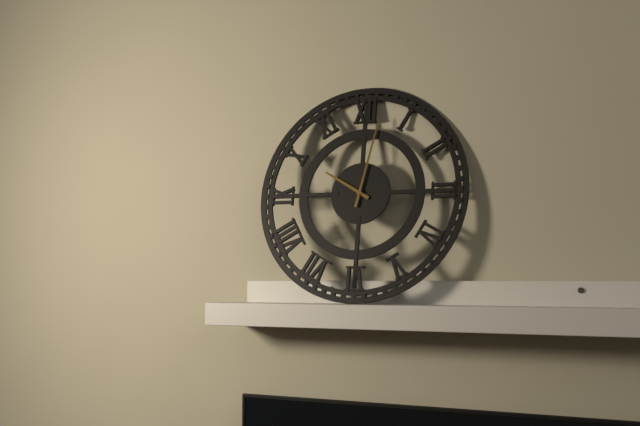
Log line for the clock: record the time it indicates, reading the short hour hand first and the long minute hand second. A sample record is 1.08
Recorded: 10.02
